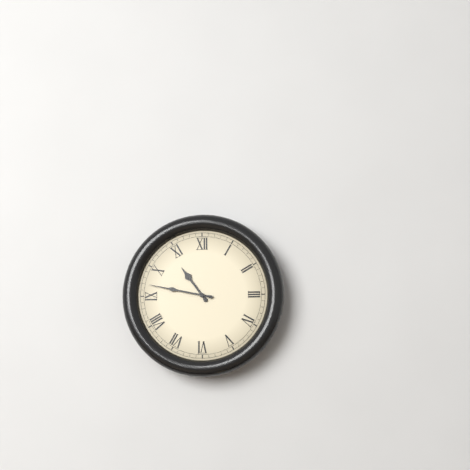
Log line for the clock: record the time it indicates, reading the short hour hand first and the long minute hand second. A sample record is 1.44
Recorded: 10.47
